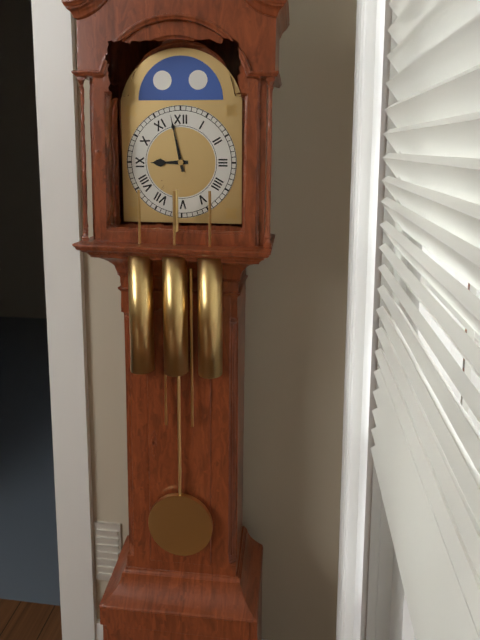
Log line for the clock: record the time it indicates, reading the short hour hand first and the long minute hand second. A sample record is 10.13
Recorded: 8.58
